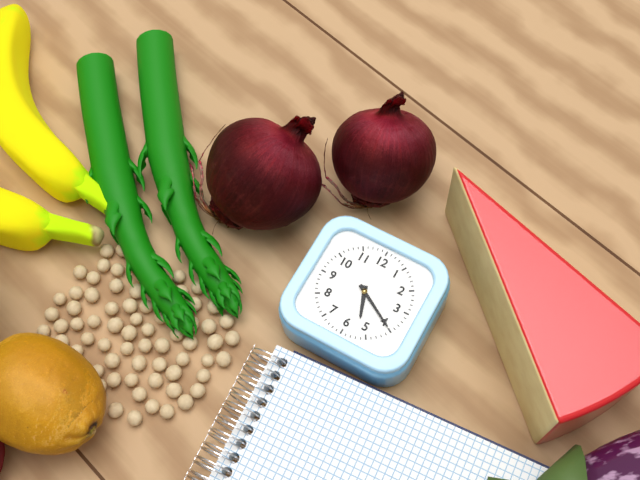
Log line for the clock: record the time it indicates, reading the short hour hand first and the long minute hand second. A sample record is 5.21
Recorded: 5.20
